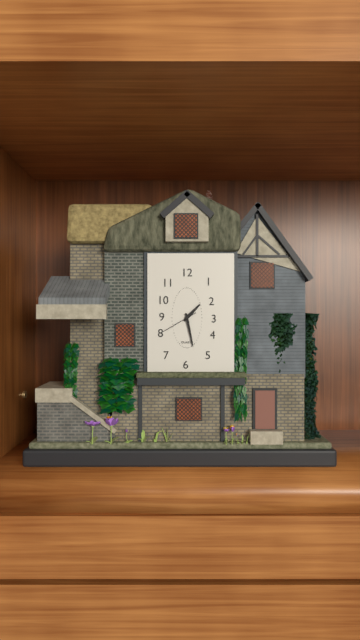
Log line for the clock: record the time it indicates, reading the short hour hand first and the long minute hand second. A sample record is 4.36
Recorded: 1.28
